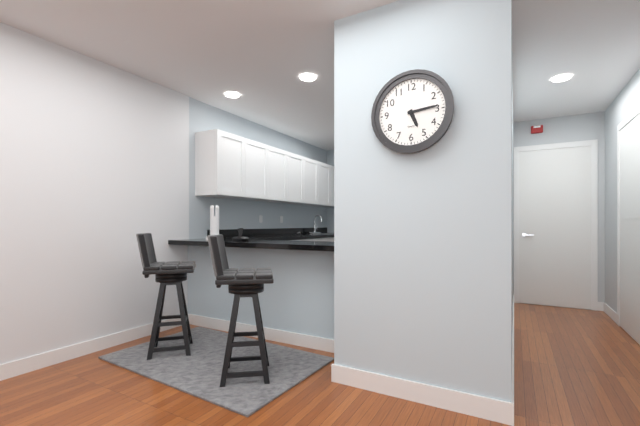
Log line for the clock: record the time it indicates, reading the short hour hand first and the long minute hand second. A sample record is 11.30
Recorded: 5.14
